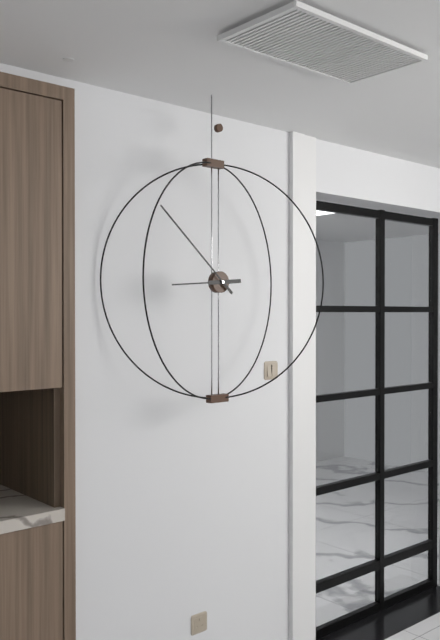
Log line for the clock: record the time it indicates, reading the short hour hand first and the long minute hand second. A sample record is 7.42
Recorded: 8.52
